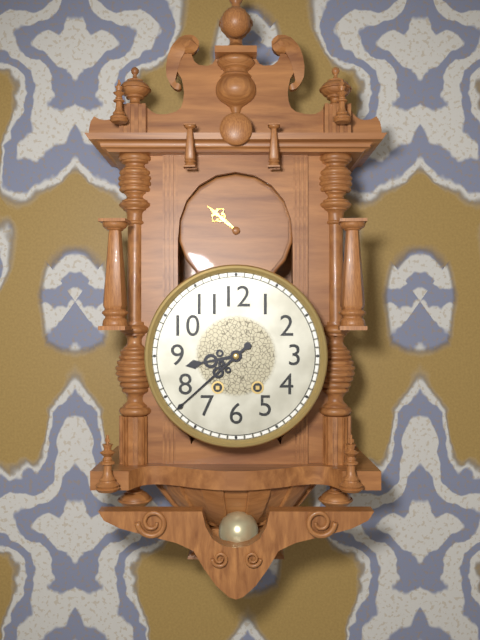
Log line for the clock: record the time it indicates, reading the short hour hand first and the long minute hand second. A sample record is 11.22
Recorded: 8.38
